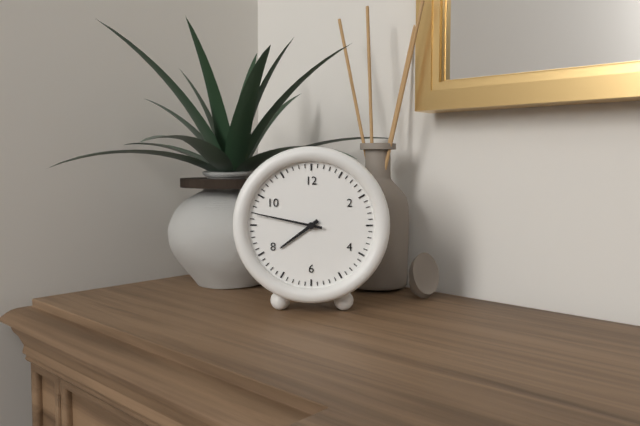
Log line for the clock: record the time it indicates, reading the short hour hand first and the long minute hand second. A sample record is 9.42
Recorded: 7.47
